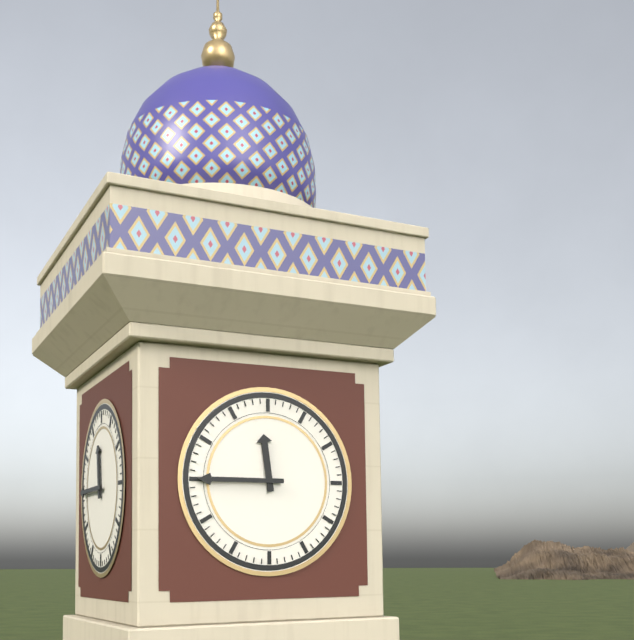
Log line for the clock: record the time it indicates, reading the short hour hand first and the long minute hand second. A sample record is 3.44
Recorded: 11.45
